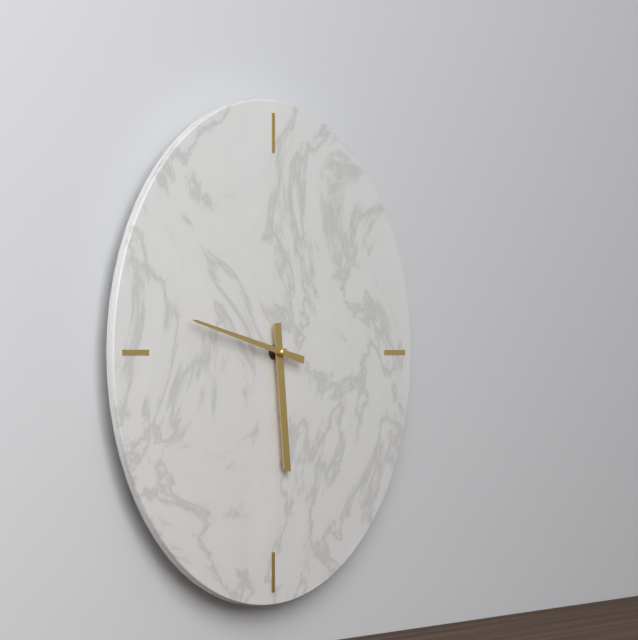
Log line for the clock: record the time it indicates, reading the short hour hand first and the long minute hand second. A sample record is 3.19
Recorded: 5.47
